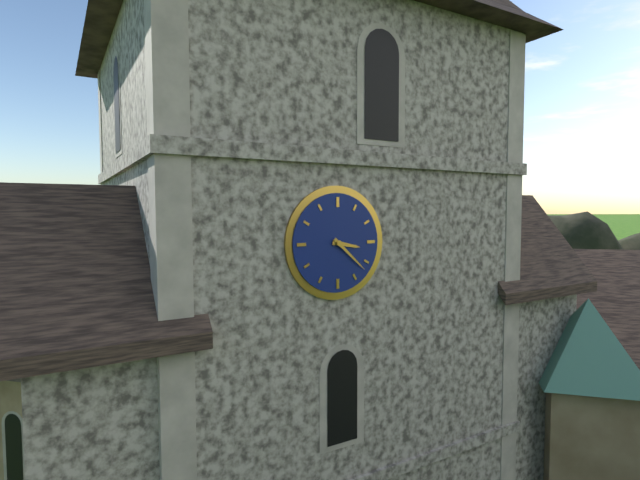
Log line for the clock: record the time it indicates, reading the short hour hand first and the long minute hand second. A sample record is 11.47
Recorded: 3.22
